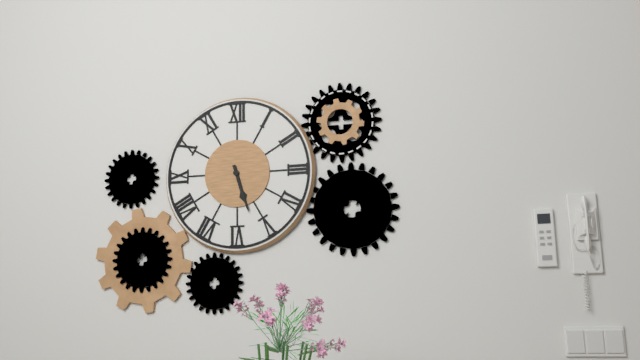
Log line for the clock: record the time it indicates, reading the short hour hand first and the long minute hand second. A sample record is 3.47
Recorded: 5.27
